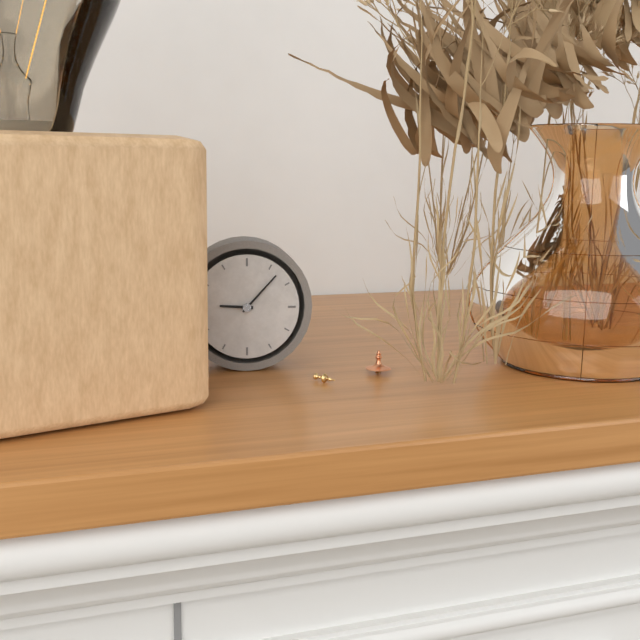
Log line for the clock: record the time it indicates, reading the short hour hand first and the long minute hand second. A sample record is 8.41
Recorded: 9.07
